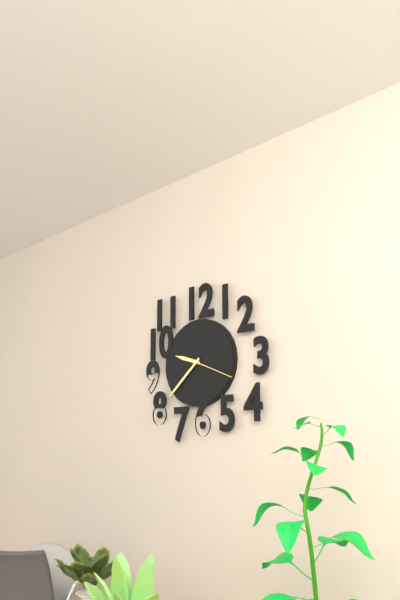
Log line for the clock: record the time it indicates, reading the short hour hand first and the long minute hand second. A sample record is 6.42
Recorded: 9.38
